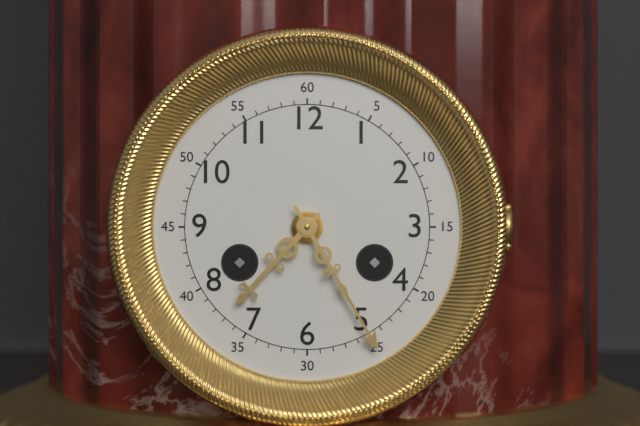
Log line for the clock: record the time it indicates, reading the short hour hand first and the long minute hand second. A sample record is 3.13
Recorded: 7.25
